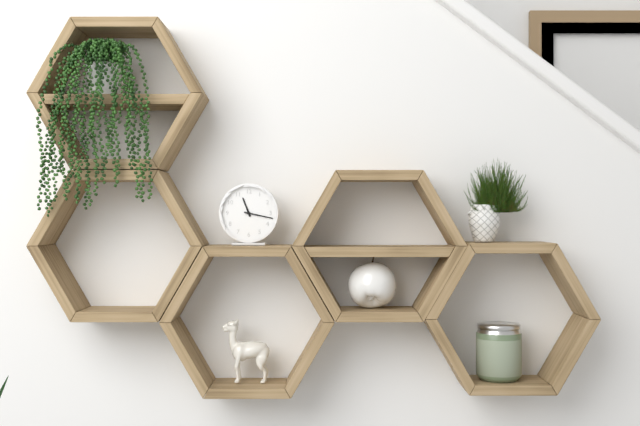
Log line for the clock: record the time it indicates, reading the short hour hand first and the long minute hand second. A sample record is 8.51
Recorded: 11.17
